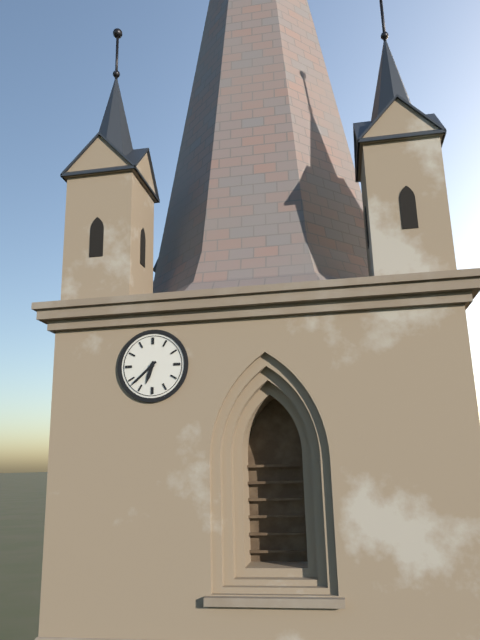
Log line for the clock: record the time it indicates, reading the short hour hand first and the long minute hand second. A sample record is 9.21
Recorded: 6.38
